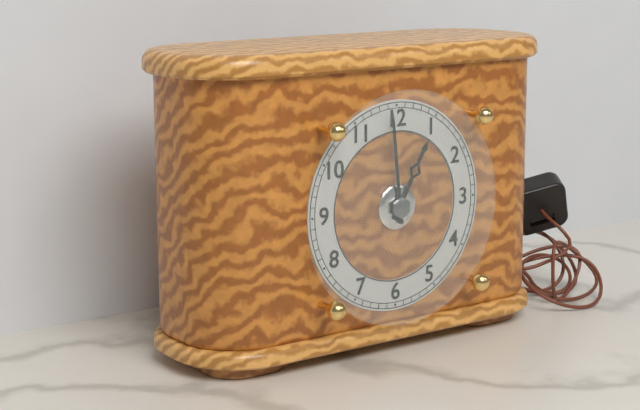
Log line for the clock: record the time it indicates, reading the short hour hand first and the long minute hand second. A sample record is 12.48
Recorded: 12.59
